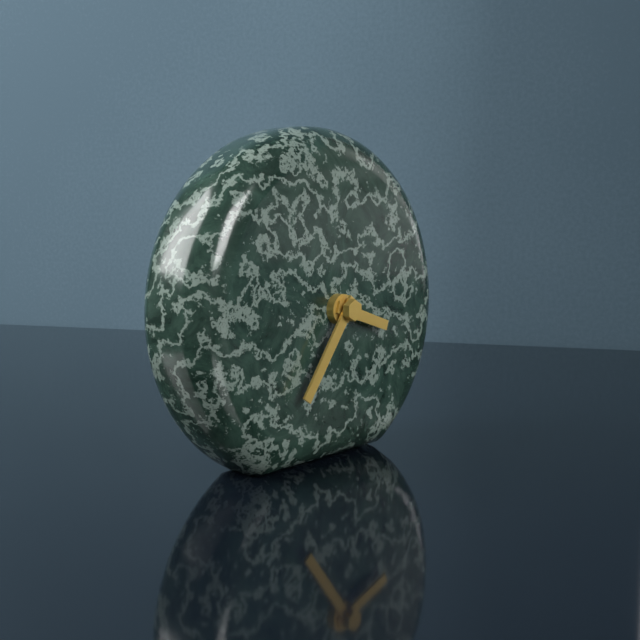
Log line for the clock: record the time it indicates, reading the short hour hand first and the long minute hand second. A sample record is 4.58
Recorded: 3.36
